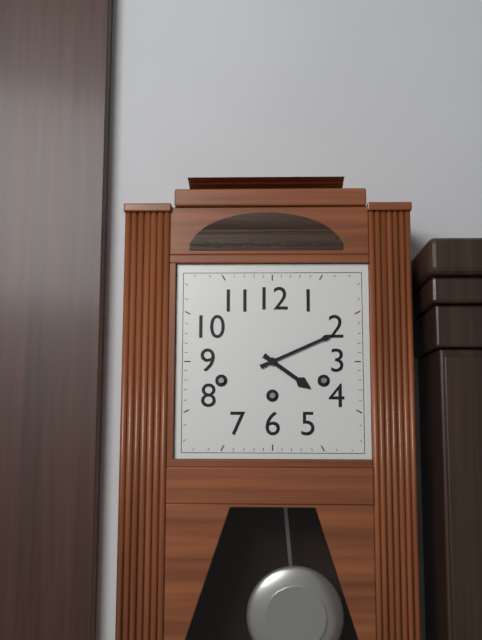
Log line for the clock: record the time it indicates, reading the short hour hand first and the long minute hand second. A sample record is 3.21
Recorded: 4.11
